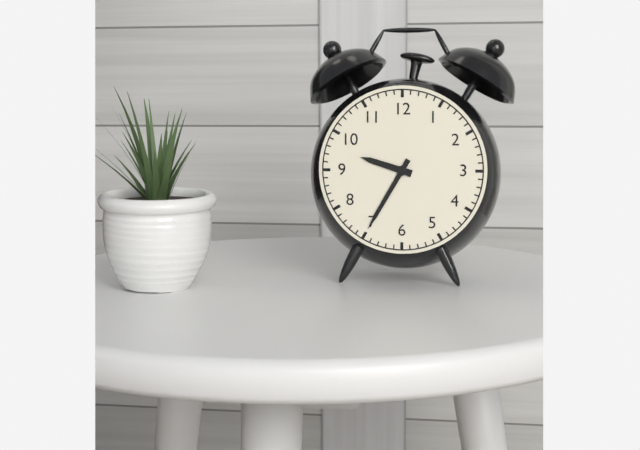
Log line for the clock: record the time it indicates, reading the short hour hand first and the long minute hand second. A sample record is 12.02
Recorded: 9.35
